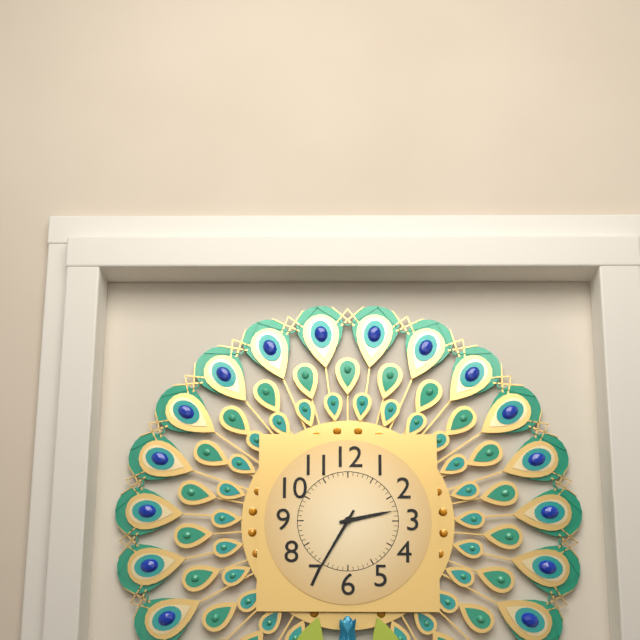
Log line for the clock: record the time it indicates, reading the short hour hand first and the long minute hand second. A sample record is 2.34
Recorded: 2.35
